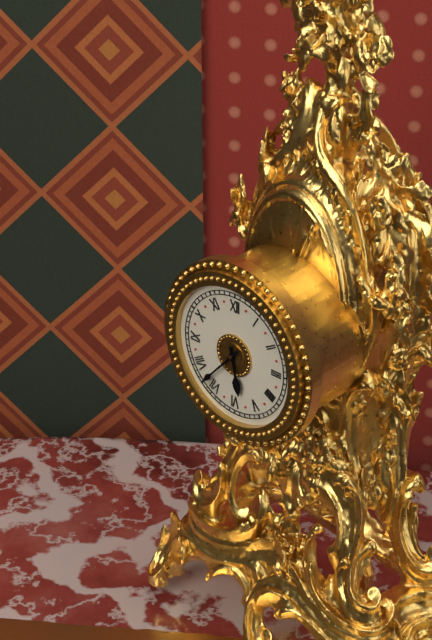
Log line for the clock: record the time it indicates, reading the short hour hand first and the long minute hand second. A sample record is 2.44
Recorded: 5.37
